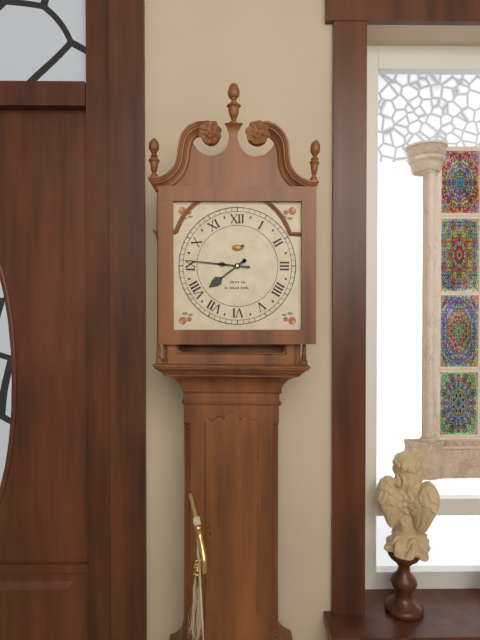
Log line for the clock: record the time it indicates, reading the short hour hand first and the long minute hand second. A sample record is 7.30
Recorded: 7.46
